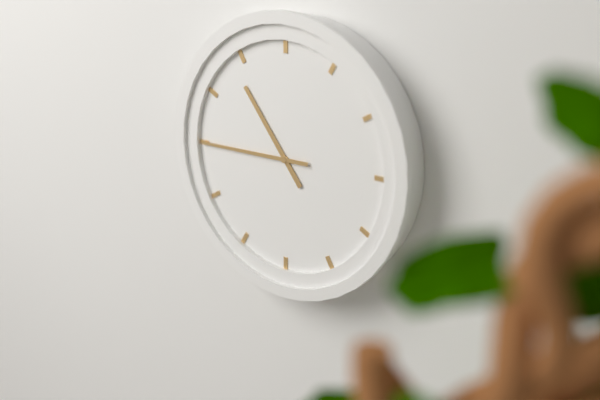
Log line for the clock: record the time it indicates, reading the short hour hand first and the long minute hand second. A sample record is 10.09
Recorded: 10.45
